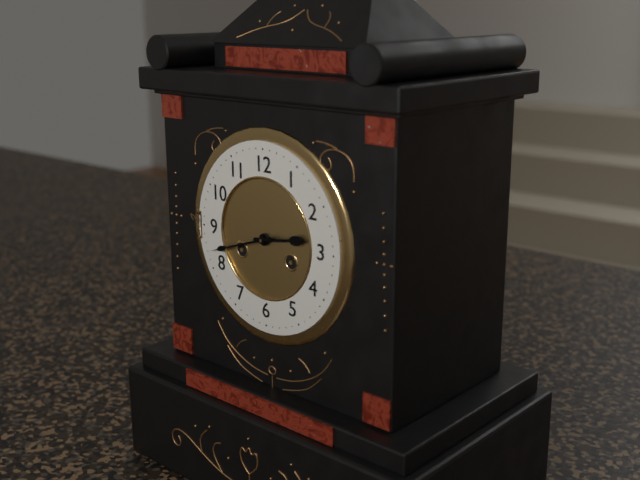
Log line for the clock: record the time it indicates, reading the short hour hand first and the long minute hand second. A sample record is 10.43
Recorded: 2.42
